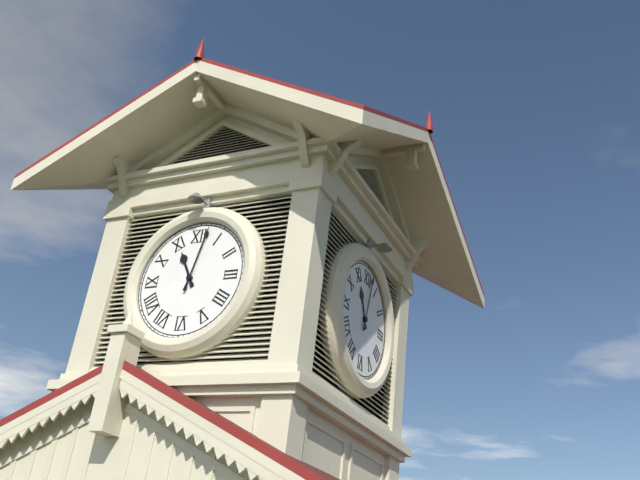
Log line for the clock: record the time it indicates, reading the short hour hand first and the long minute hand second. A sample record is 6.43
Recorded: 11.02
